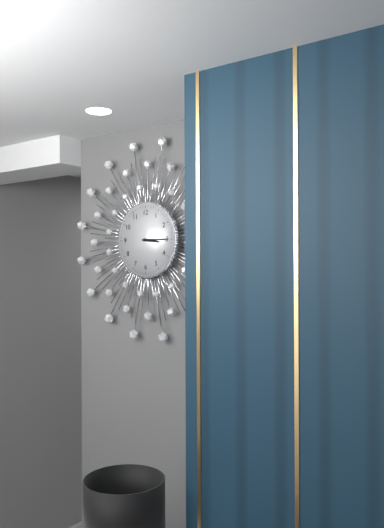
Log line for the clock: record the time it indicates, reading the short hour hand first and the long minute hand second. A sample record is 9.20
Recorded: 3.15
